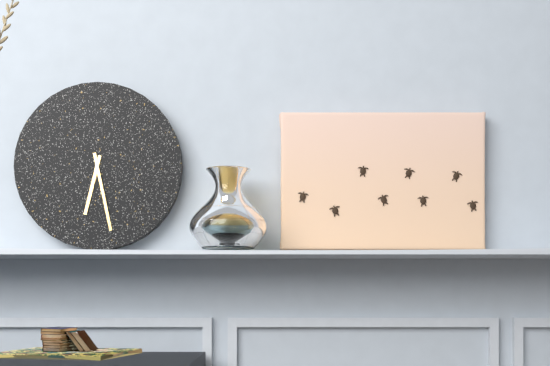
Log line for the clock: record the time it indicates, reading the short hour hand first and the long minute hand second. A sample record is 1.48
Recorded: 6.28
